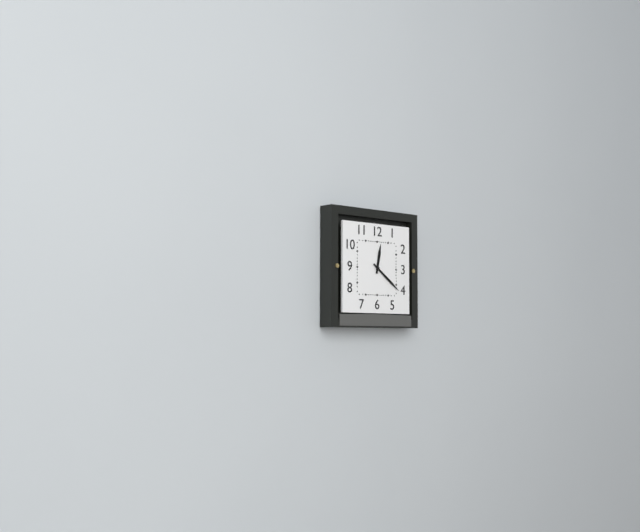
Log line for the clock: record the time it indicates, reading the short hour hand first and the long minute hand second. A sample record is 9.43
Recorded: 12.21
